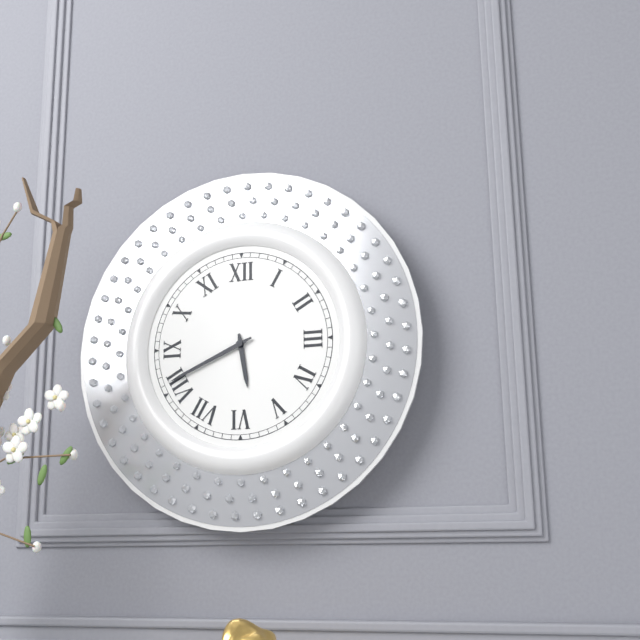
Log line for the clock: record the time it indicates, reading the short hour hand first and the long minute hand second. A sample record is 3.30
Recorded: 5.41
